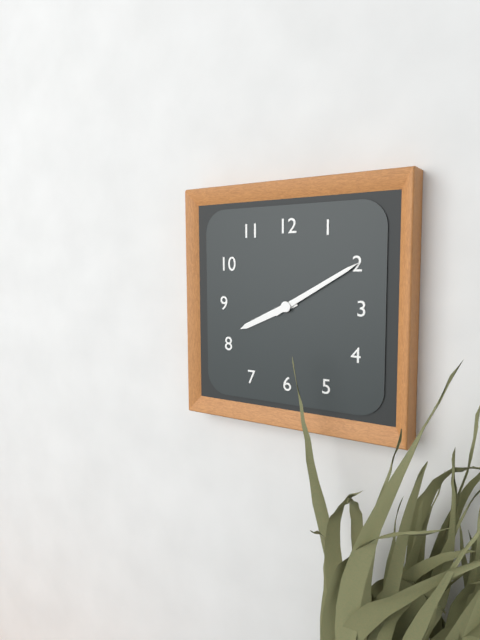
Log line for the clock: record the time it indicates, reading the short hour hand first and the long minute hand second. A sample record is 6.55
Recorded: 8.10
